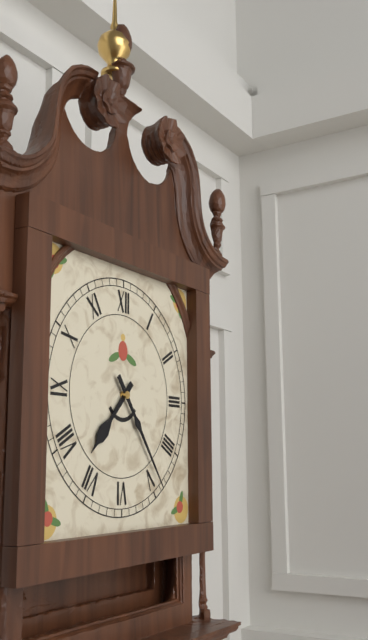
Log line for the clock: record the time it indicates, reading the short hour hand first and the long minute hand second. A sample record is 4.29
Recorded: 7.24
